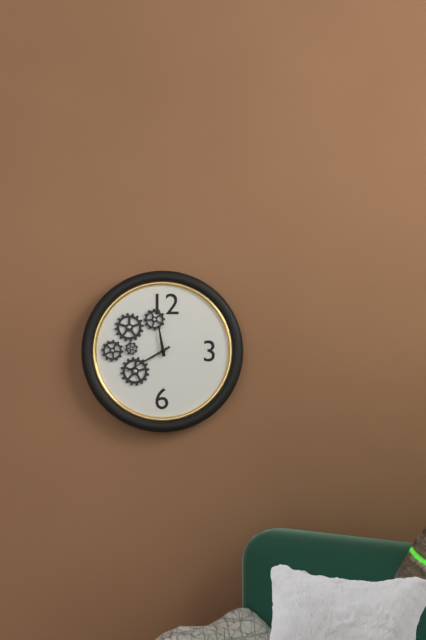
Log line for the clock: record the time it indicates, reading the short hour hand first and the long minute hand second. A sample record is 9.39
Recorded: 11.40
